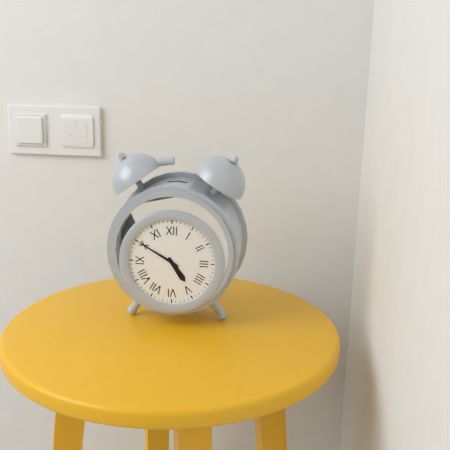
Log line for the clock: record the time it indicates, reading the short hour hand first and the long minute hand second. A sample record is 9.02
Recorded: 4.50
